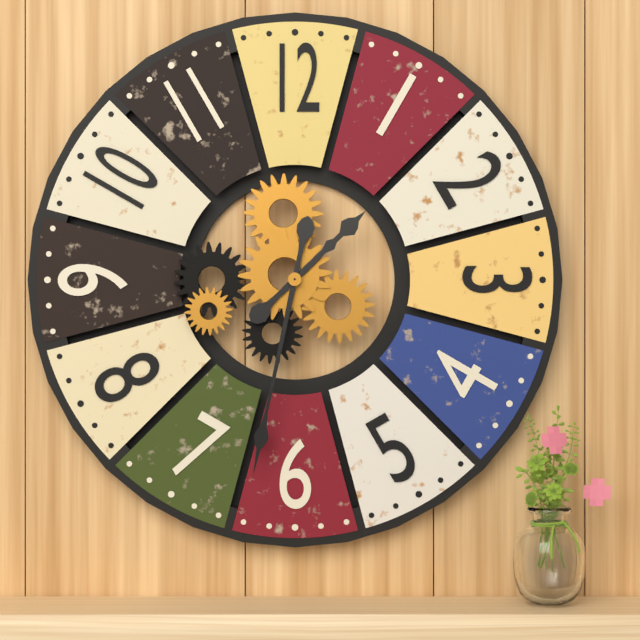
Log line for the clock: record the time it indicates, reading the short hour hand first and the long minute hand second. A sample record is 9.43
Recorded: 1.32
